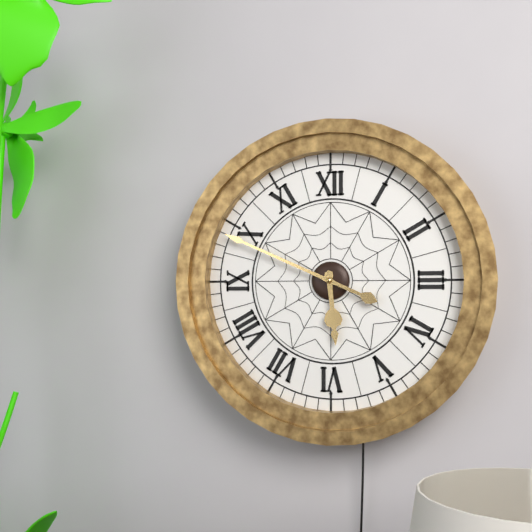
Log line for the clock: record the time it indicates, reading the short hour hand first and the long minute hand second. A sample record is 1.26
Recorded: 5.49
